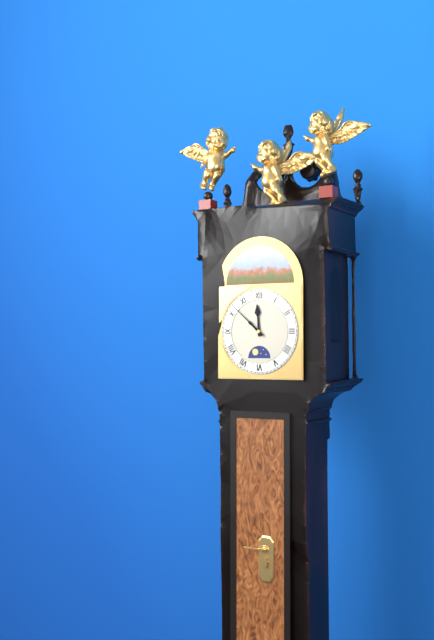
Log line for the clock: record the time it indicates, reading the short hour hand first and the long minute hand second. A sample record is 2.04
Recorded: 11.52
